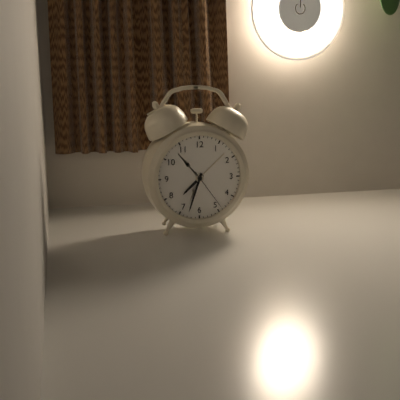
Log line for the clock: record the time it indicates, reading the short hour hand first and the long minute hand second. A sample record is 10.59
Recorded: 7.33
